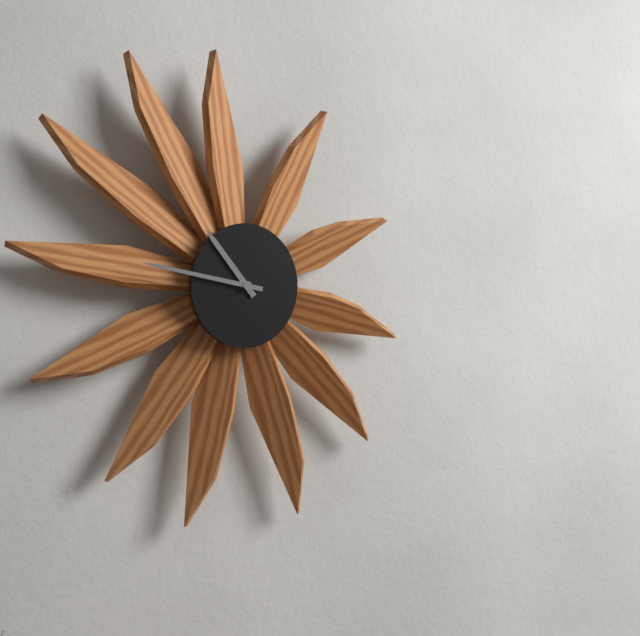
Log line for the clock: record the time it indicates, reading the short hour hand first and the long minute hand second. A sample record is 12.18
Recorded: 10.47
